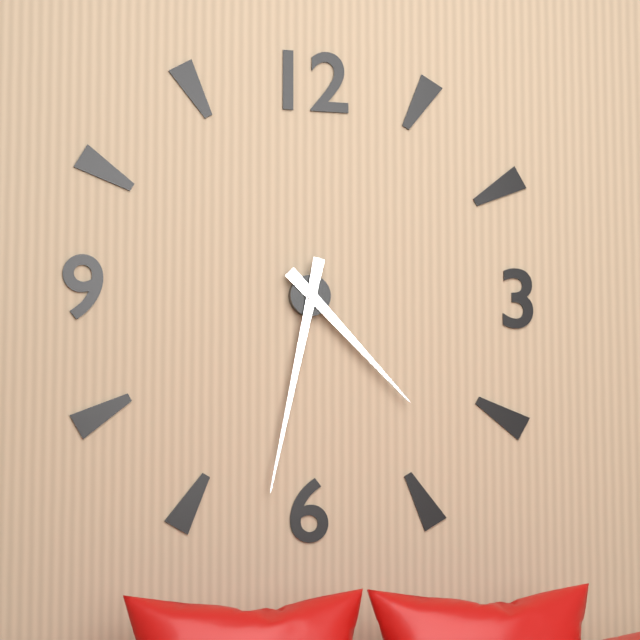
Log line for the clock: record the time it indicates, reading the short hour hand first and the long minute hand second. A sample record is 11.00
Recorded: 4.32
